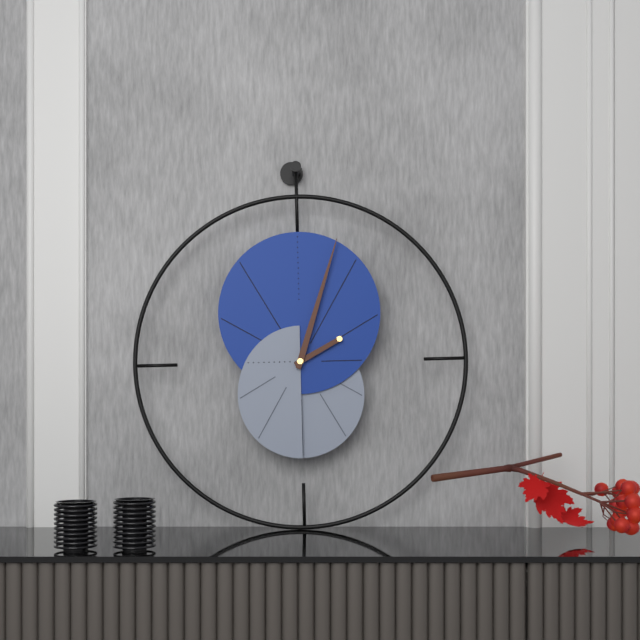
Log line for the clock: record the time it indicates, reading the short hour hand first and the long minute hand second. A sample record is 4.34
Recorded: 2.03
